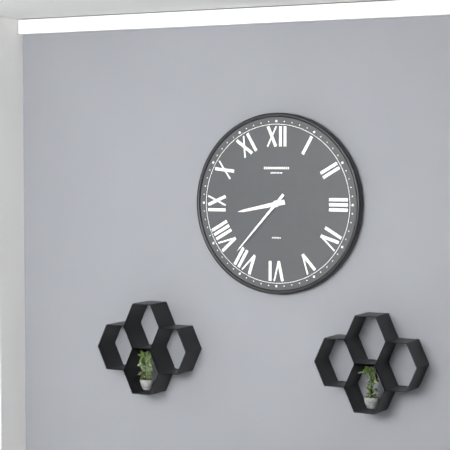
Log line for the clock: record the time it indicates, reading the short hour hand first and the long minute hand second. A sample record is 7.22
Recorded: 8.37
